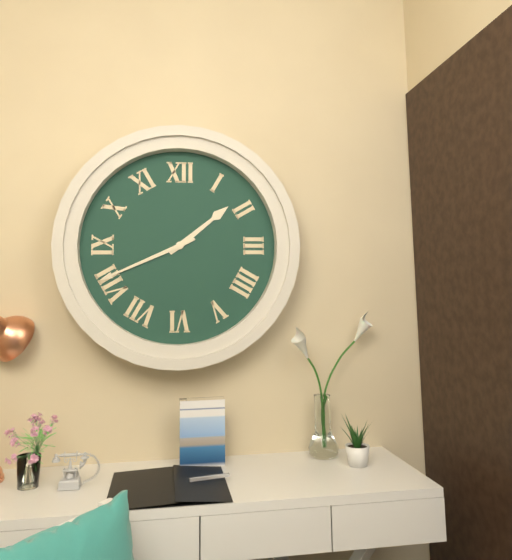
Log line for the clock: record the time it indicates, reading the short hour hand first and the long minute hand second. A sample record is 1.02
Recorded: 1.41
